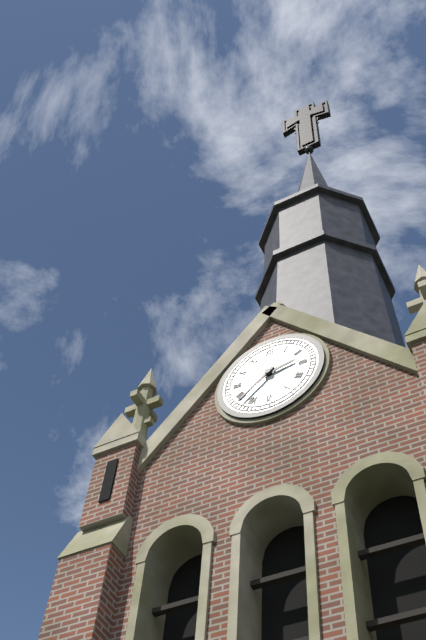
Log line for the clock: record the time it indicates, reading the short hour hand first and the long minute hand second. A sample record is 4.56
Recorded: 2.38
